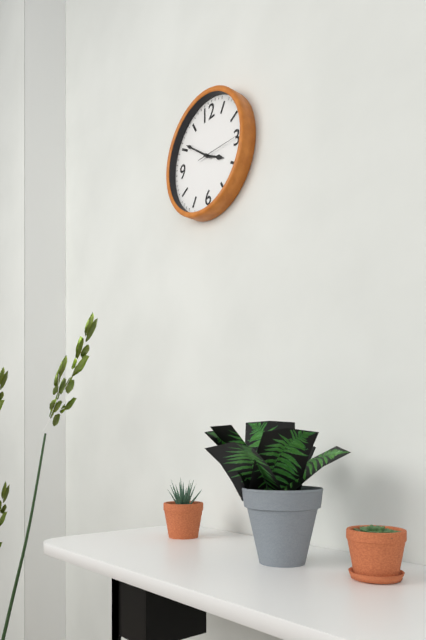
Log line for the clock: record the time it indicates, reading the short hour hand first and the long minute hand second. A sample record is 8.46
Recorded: 3.51
